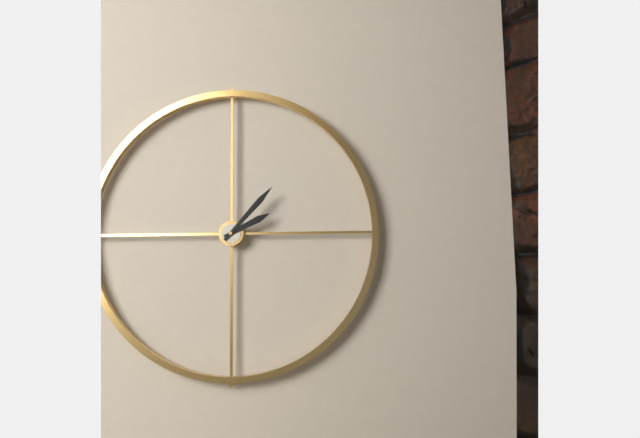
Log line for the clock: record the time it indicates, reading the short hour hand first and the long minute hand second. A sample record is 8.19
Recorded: 2.07
